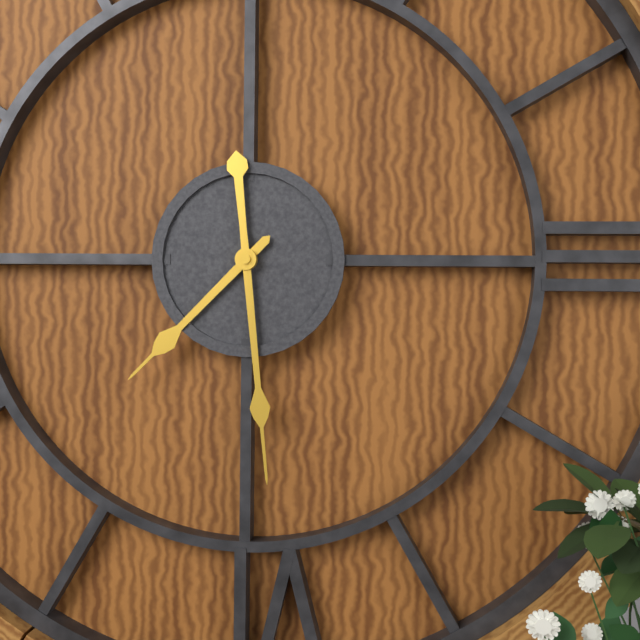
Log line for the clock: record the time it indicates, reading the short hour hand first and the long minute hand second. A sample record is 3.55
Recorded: 7.29
